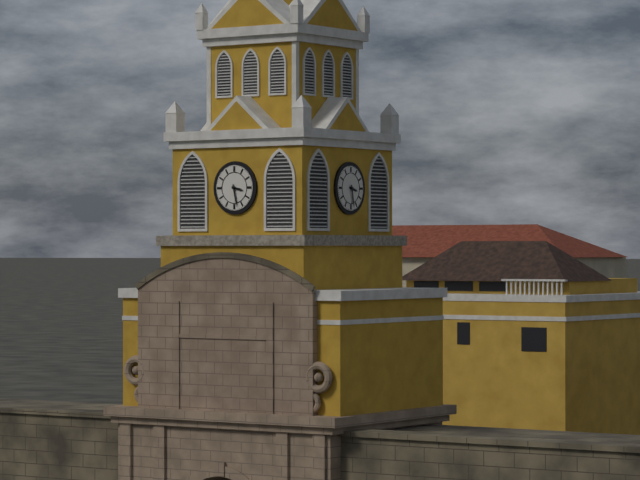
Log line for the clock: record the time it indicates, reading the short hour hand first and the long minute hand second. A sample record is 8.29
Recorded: 3.28
